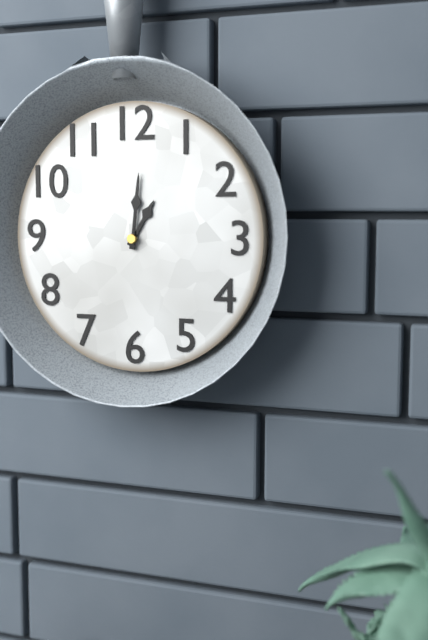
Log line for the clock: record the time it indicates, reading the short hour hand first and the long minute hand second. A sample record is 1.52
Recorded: 1.01
